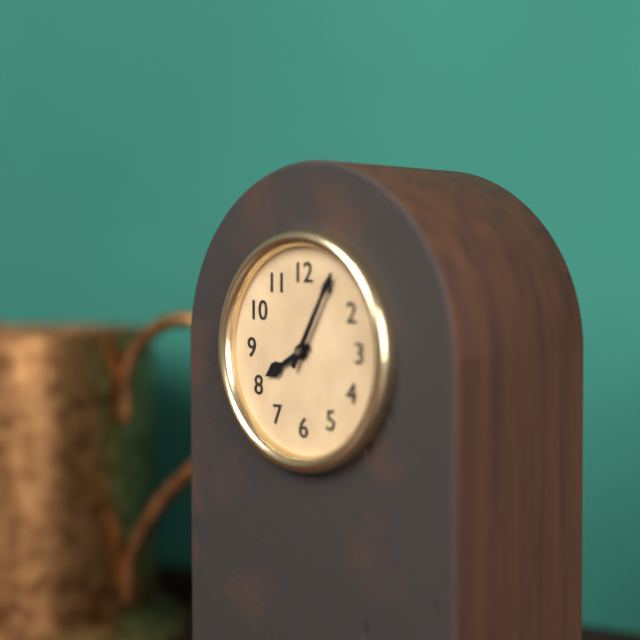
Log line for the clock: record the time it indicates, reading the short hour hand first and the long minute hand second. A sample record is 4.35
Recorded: 8.05
